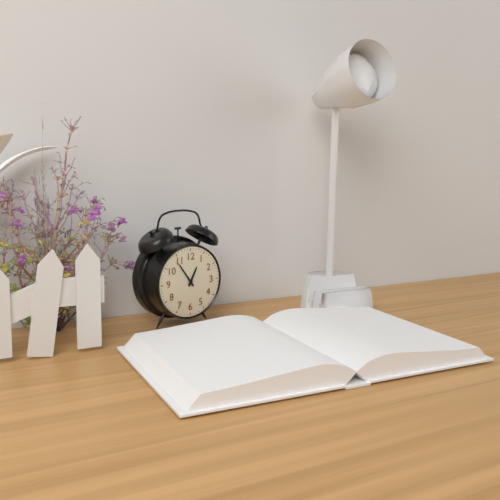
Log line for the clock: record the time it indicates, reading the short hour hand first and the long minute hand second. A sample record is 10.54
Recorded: 12.54
